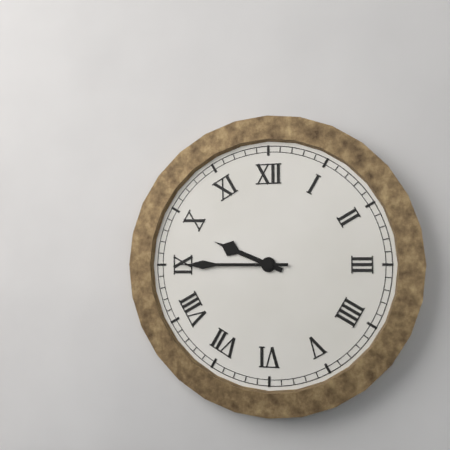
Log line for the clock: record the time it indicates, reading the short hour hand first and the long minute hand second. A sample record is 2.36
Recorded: 9.45
